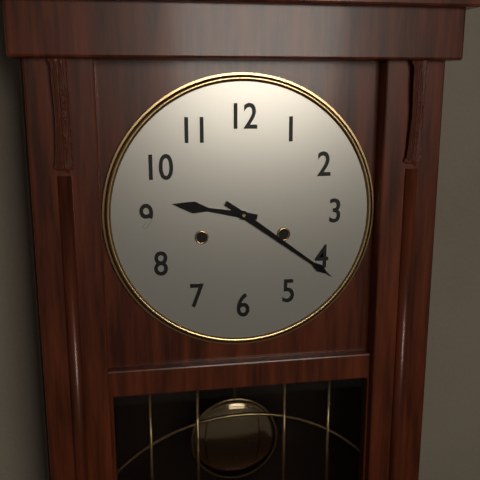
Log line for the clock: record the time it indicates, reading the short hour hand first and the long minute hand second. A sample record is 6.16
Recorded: 9.21
